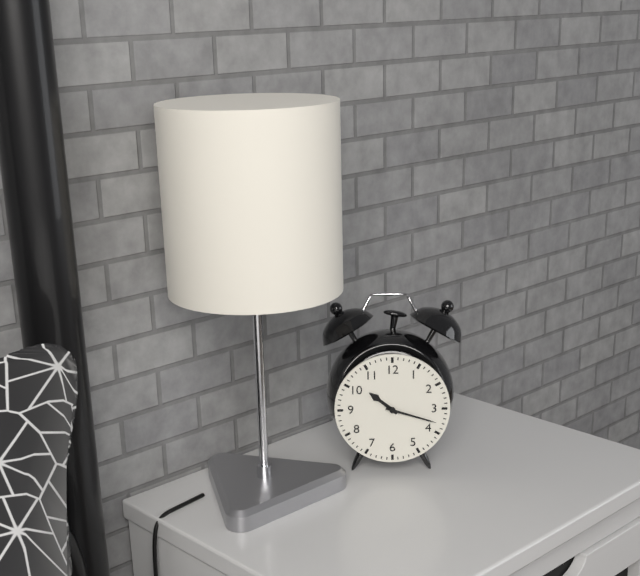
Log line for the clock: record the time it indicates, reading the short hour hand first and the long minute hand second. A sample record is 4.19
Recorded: 10.18
